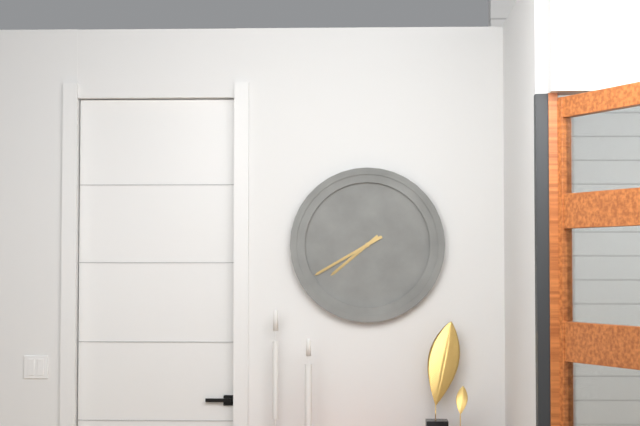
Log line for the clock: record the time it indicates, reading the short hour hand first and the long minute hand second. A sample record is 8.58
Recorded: 7.40
